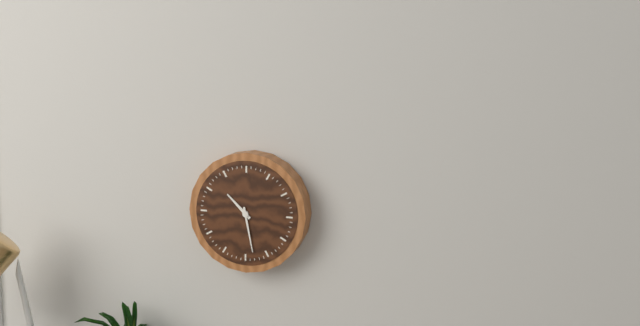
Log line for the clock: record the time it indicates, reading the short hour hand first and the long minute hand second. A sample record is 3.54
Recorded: 10.28
